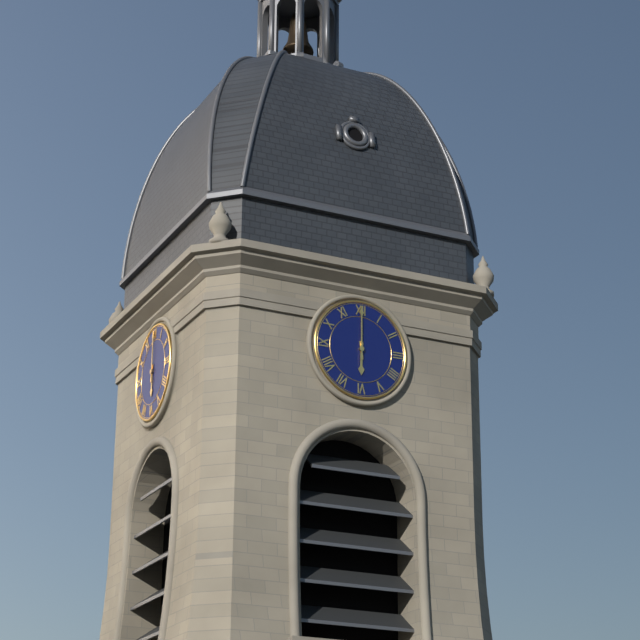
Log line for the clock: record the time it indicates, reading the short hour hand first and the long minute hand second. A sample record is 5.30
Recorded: 6.00
